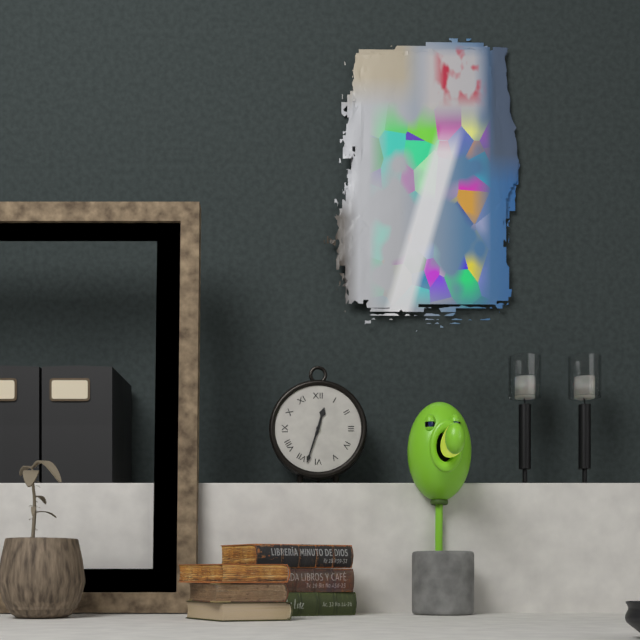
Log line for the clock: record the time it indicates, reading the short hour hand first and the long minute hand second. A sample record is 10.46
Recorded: 12.33
